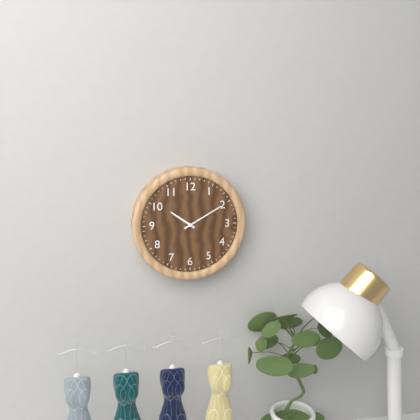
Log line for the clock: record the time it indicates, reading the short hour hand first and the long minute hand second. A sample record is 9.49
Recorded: 10.10
